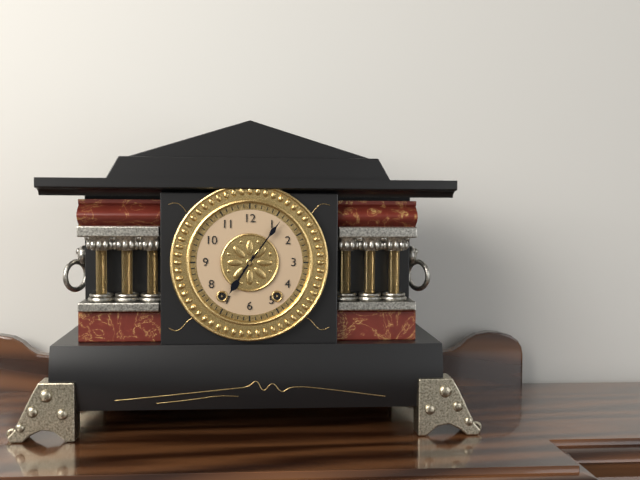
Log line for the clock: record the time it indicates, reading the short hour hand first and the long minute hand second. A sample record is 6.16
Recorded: 7.06
